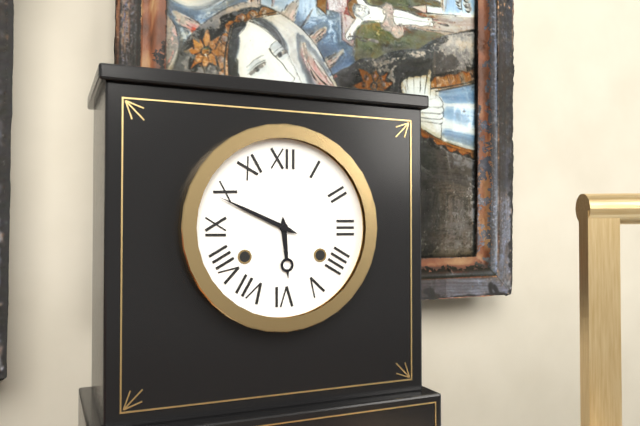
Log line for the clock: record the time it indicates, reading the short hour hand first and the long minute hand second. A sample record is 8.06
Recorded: 5.49
